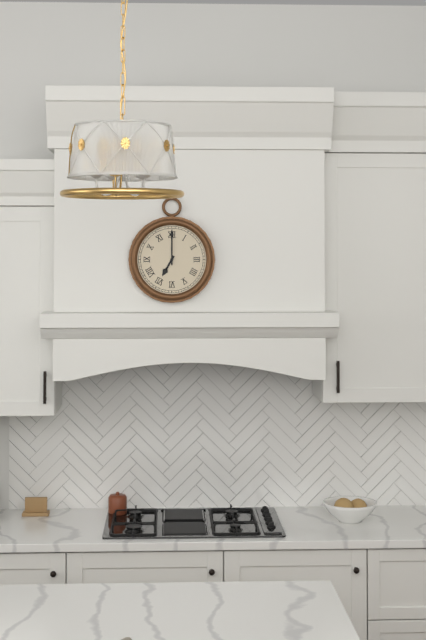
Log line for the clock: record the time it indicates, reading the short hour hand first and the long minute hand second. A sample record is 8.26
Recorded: 7.00
